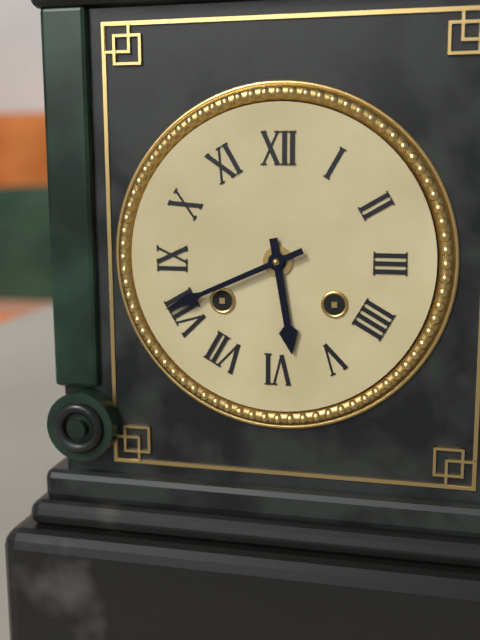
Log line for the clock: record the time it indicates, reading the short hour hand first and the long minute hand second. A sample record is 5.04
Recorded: 5.41
